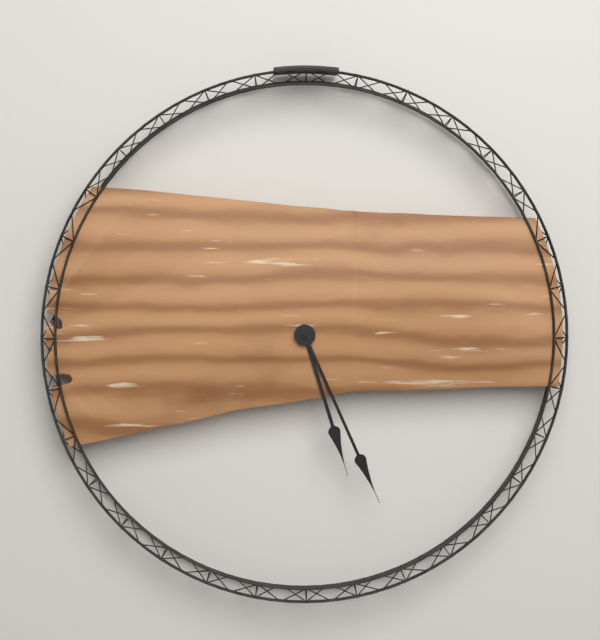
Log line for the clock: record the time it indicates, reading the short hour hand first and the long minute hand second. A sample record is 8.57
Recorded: 5.26
